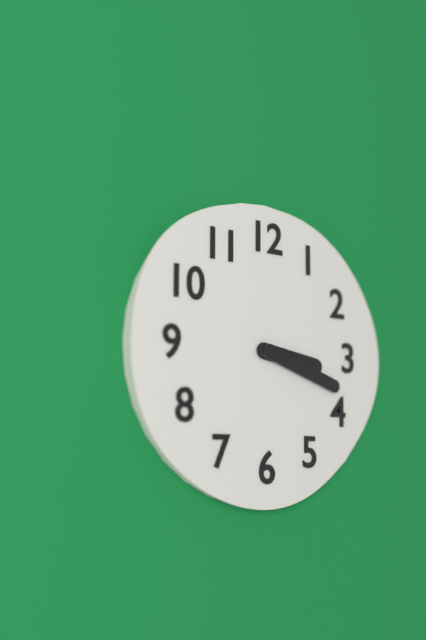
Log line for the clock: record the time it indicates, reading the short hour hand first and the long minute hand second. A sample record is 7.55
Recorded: 3.18
